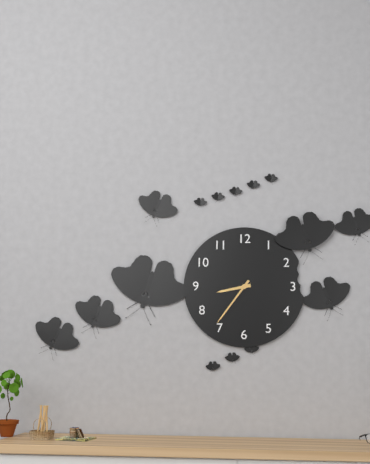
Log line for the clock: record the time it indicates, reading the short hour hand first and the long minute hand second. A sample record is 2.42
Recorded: 8.36
